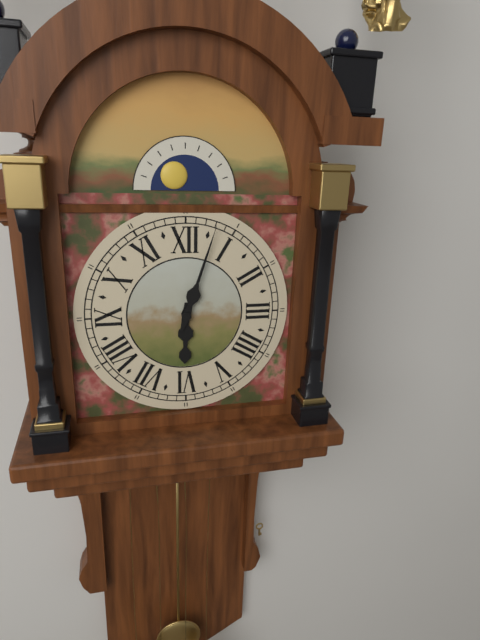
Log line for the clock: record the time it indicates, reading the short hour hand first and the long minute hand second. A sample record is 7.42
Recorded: 6.03
